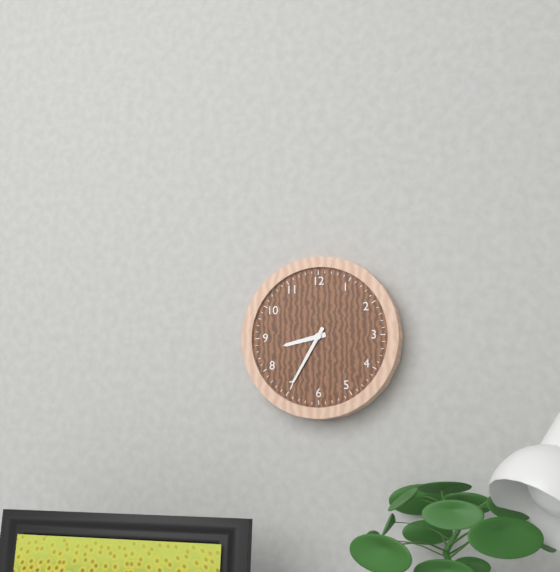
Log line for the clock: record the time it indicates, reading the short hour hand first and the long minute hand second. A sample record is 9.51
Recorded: 8.35
